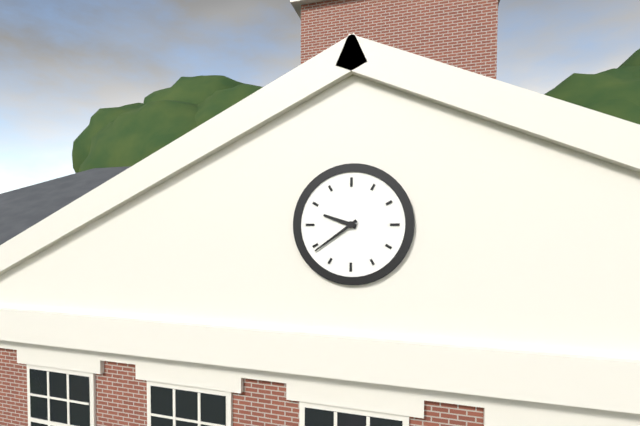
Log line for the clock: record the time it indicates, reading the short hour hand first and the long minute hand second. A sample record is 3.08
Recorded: 9.39
